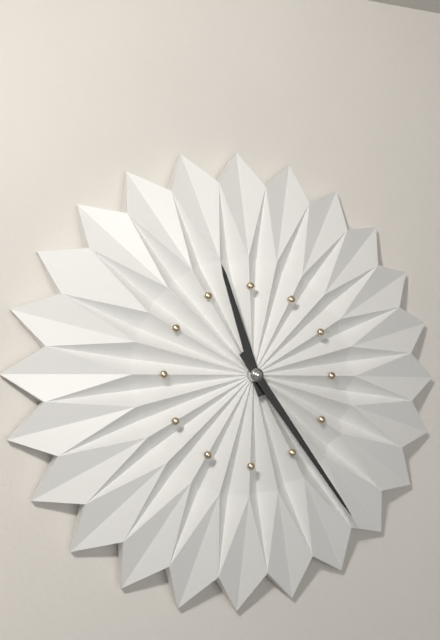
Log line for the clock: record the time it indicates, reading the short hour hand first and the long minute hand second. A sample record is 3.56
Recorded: 11.24
